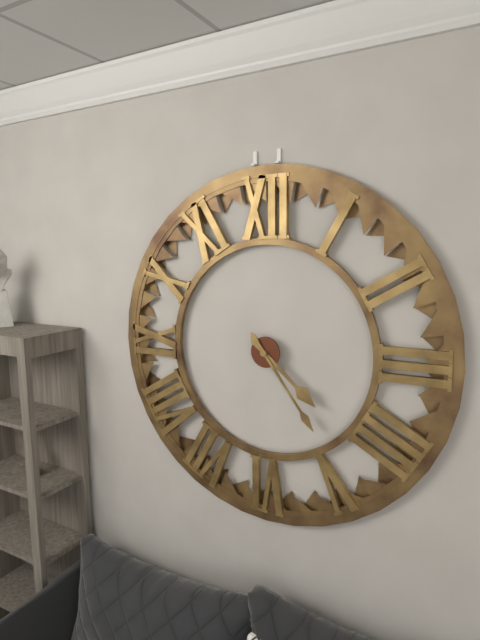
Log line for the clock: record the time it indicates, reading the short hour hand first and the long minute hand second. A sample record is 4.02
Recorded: 4.24
